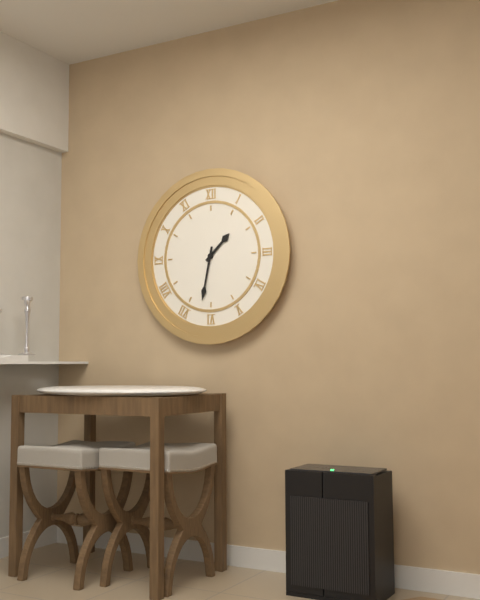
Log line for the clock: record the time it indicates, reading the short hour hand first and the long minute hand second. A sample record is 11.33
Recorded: 1.32
